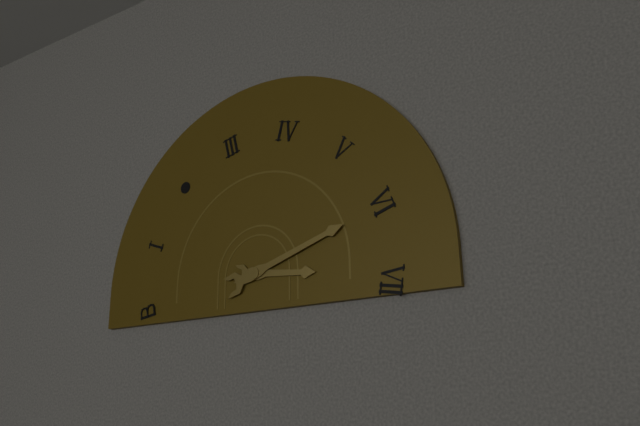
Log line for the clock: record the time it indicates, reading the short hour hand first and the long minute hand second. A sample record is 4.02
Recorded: 3.12
